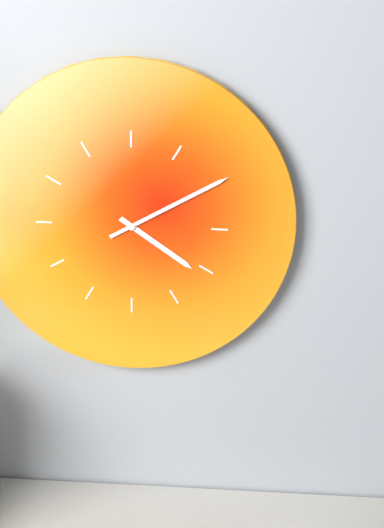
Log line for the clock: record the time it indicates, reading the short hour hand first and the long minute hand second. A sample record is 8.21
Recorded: 4.10
